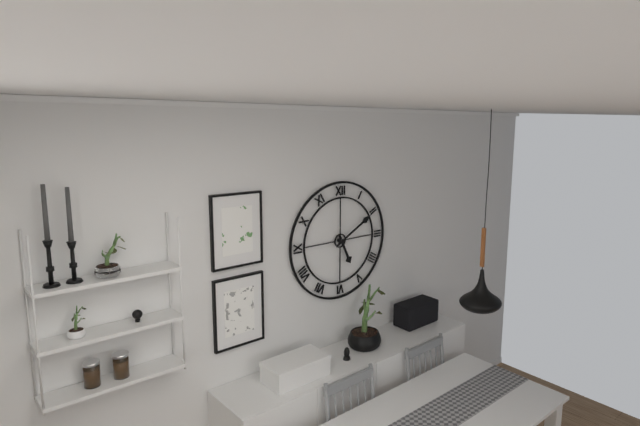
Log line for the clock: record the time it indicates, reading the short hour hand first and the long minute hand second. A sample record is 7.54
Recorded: 5.10
